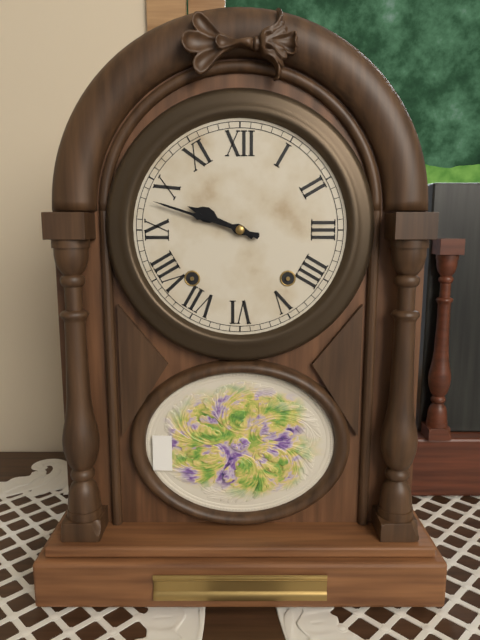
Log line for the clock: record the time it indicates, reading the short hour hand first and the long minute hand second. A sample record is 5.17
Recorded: 9.48
